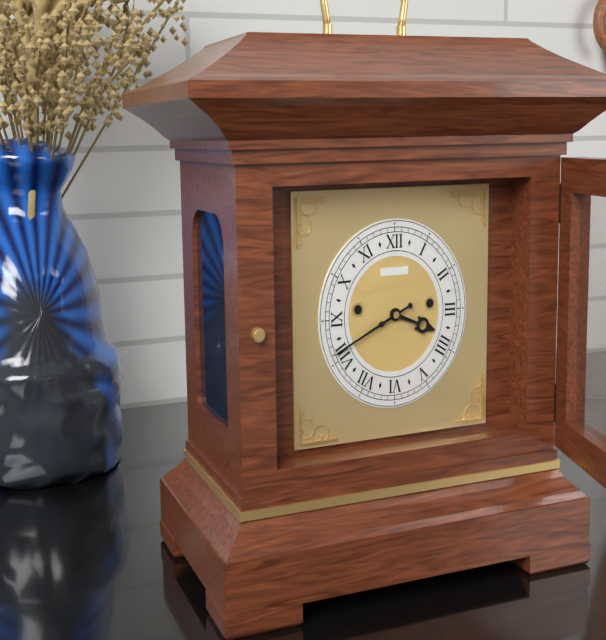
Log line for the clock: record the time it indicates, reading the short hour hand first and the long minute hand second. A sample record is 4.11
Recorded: 3.41
